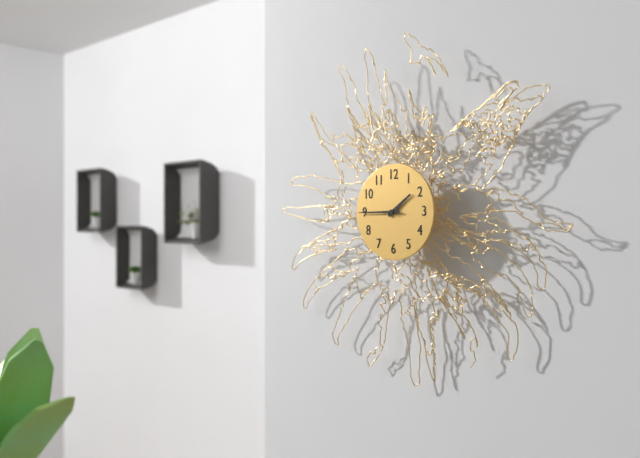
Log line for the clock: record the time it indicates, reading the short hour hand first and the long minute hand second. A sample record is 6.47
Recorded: 1.45
